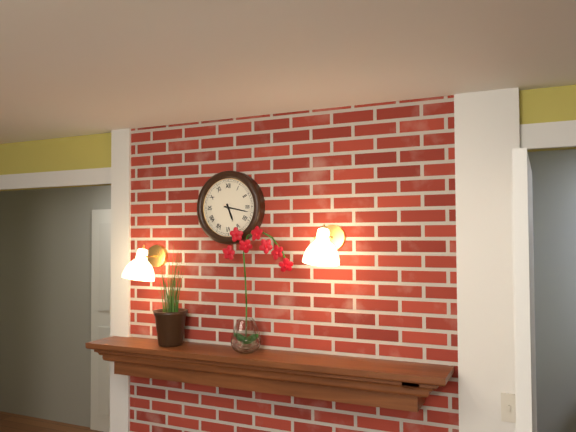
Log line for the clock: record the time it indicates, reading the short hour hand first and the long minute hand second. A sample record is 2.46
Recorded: 5.17
